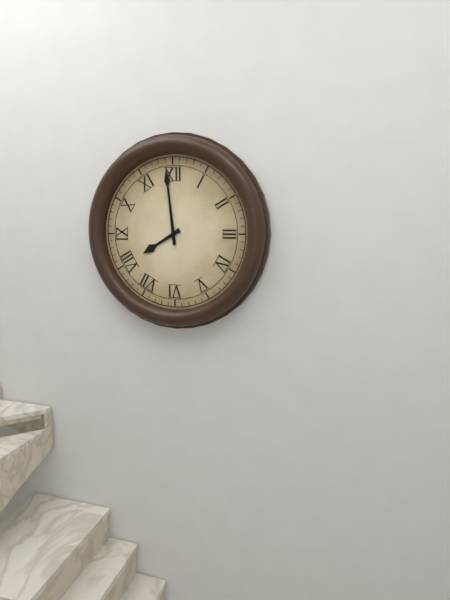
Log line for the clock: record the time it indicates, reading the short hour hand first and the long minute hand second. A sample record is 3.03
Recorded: 7.59
